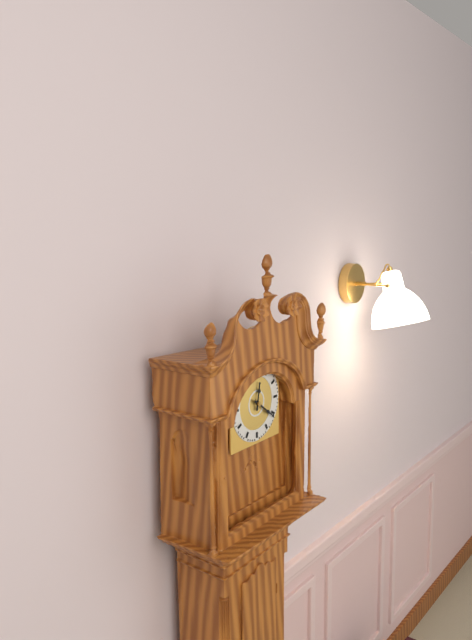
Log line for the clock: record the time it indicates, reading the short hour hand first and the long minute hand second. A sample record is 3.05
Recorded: 12.21
